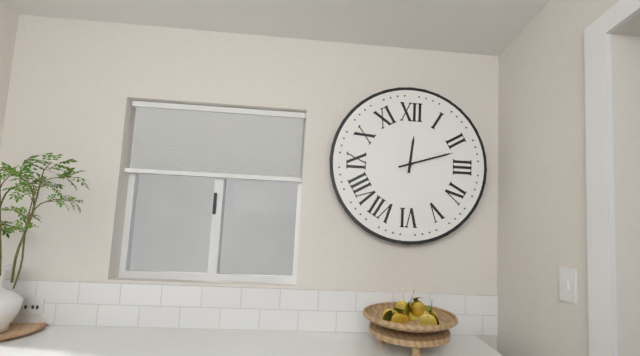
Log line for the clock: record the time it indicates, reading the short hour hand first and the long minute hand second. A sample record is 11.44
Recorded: 12.12
